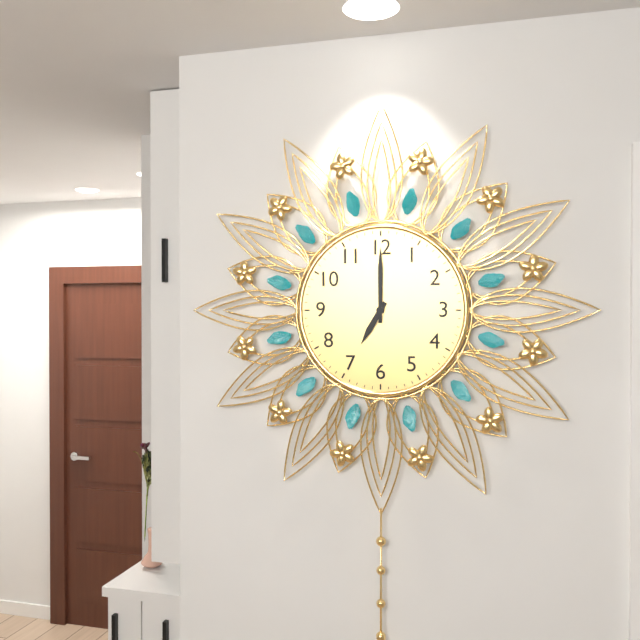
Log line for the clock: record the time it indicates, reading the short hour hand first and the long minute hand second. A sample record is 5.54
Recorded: 7.00
